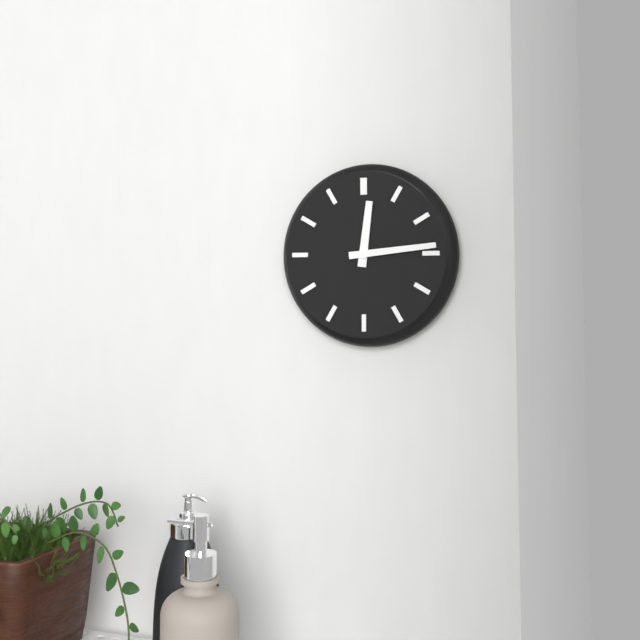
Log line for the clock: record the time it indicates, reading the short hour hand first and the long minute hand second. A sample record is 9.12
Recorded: 12.14
